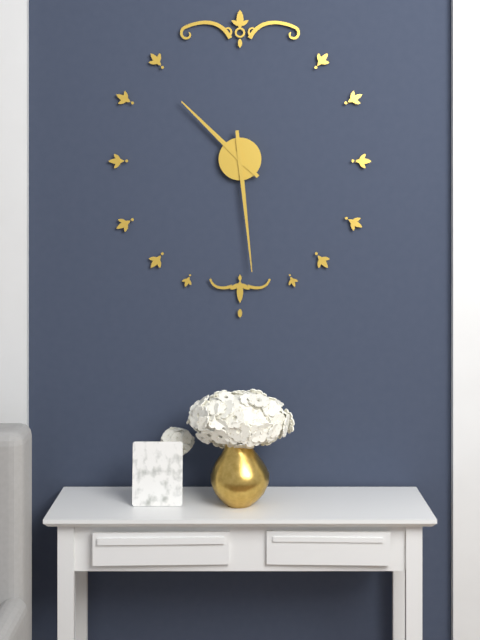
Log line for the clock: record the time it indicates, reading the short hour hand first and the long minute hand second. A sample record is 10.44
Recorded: 10.29
